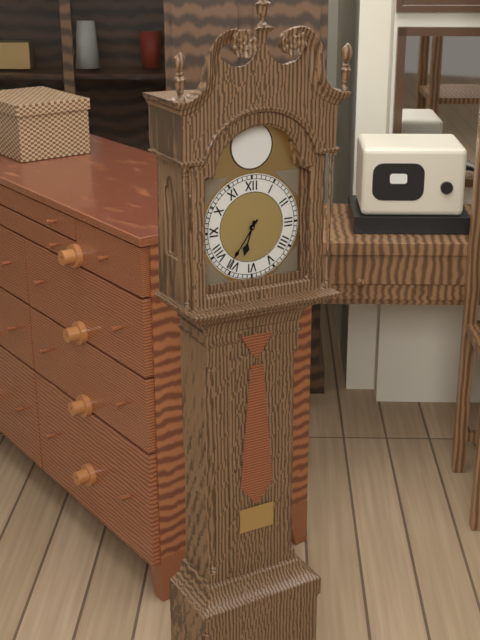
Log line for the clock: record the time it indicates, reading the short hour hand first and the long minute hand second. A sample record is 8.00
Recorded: 6.36
